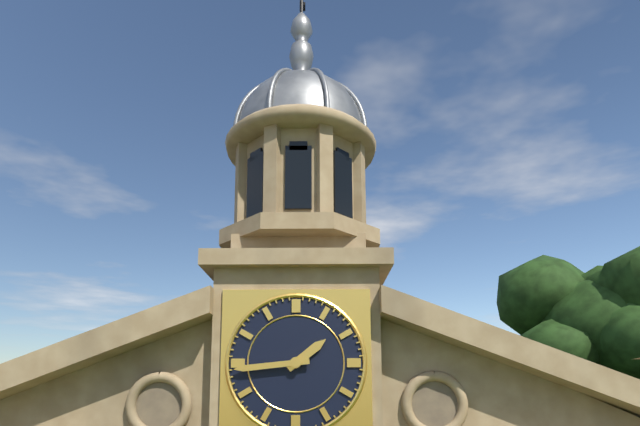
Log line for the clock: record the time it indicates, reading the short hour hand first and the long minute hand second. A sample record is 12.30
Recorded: 1.44
